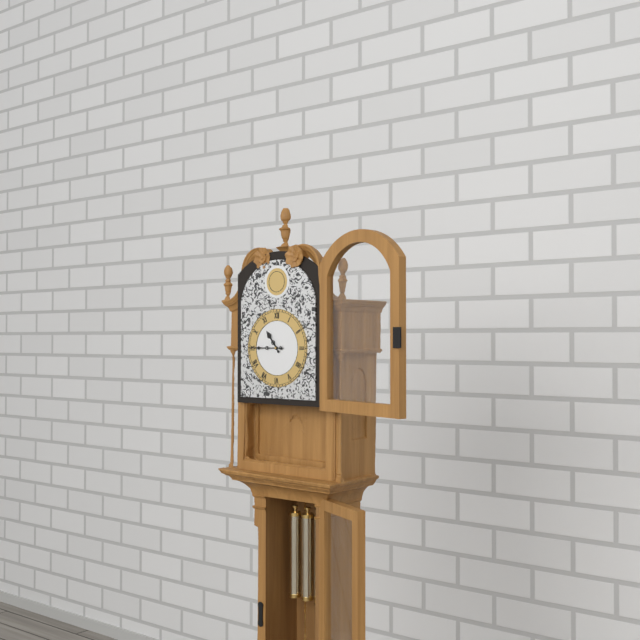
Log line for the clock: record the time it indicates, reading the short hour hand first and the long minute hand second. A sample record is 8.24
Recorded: 10.45
